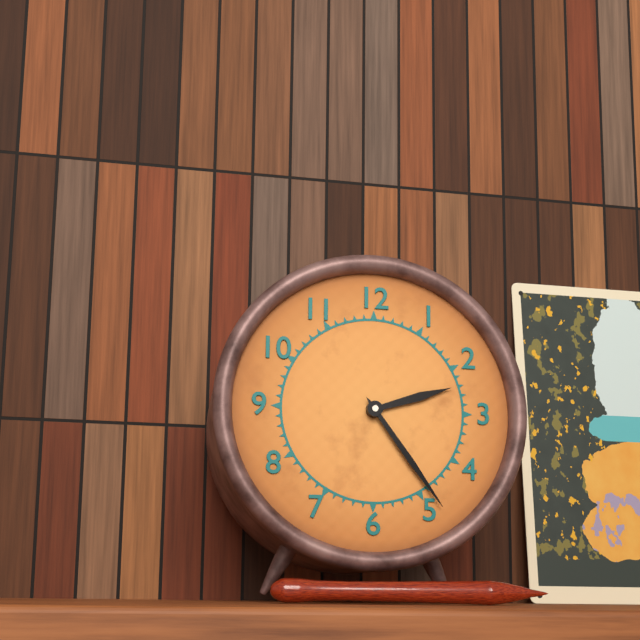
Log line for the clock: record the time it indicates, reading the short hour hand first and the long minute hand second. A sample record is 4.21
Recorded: 2.24
